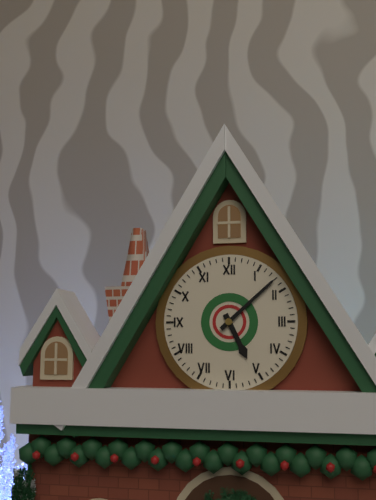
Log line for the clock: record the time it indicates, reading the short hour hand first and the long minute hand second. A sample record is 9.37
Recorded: 5.08
